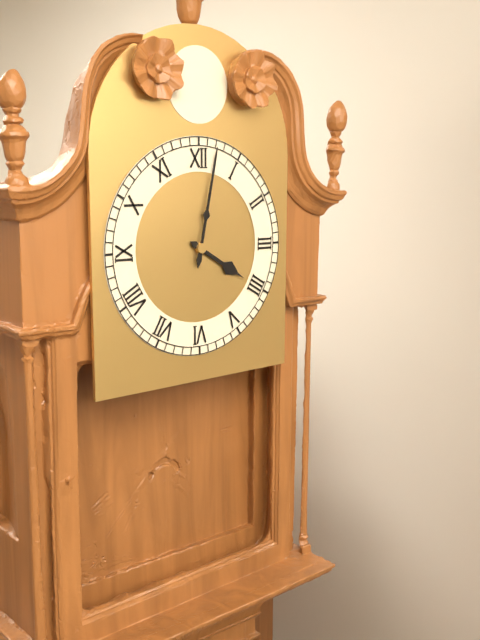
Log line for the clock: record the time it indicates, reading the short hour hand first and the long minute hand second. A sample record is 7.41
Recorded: 4.02
